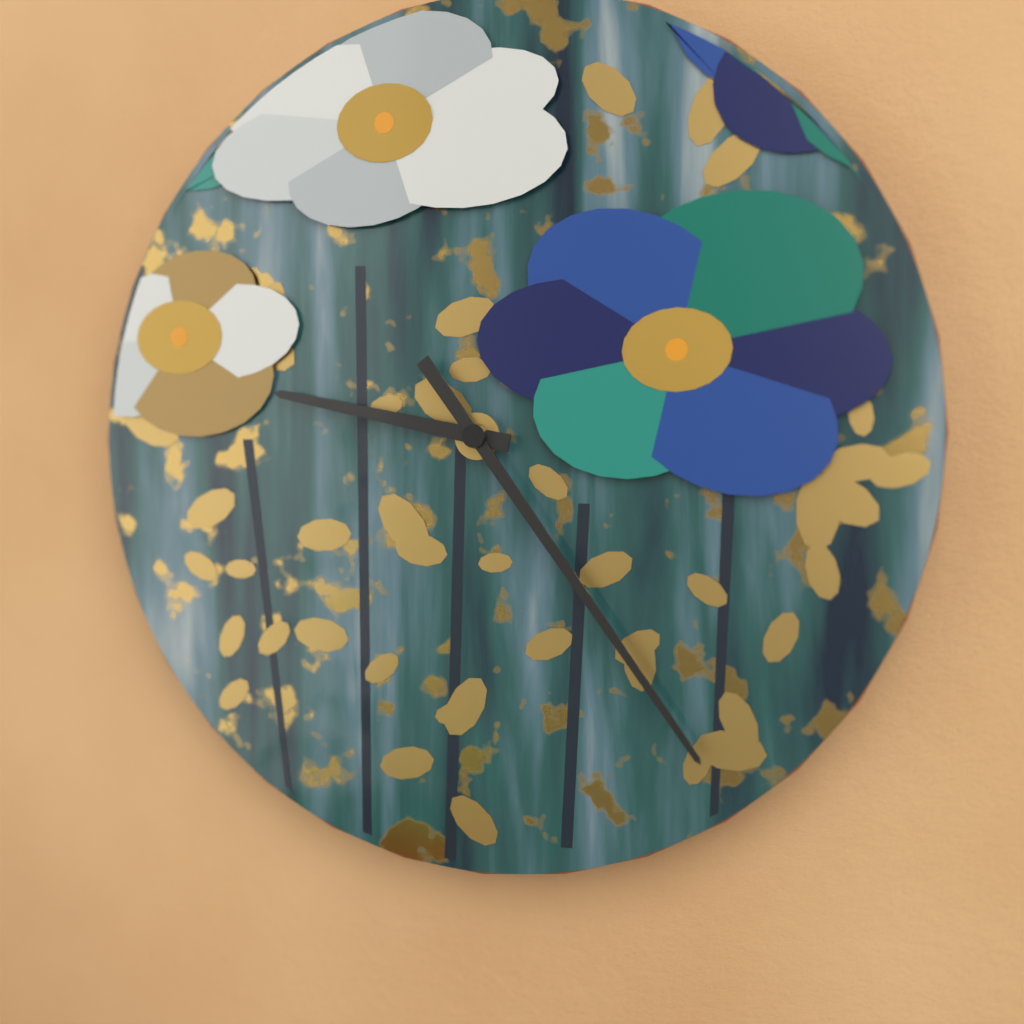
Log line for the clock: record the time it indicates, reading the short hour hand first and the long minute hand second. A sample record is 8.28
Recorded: 9.24
